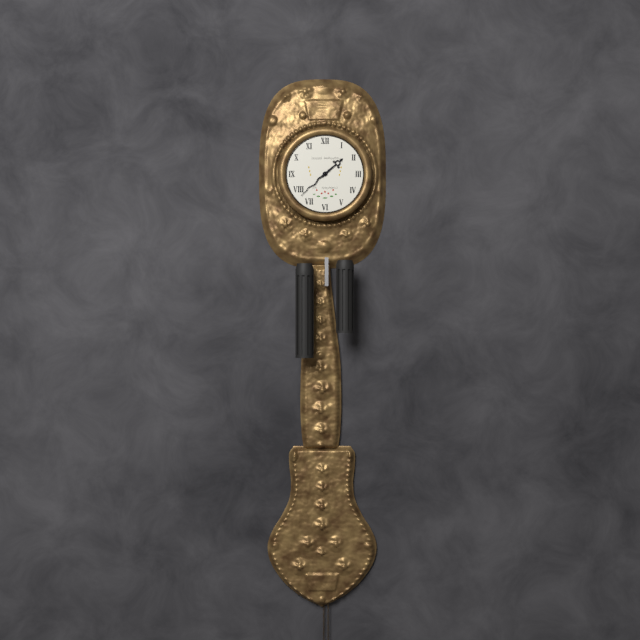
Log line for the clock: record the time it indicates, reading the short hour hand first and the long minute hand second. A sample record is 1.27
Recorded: 1.38
